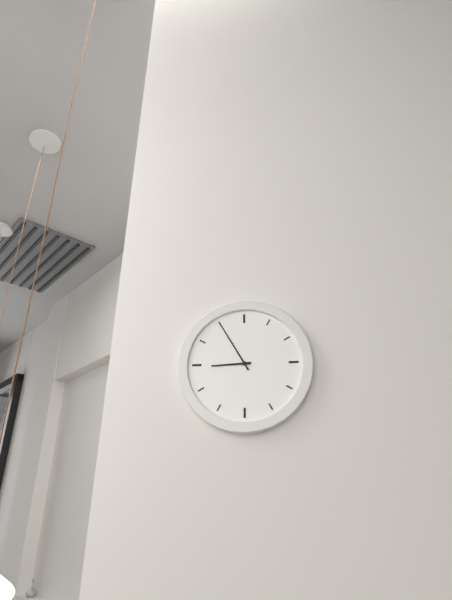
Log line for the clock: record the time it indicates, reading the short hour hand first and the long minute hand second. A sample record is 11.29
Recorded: 8.55
